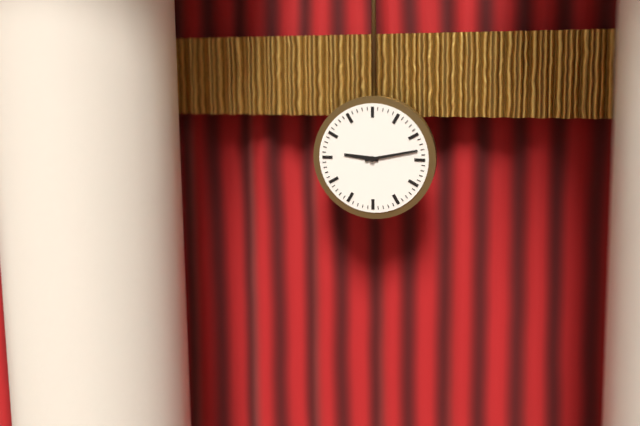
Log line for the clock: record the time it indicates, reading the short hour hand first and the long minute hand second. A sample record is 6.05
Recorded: 9.13
